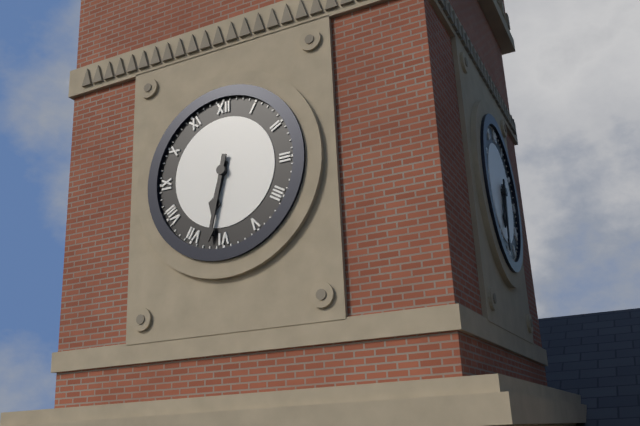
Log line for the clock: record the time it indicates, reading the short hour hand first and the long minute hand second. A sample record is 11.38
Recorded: 6.32
